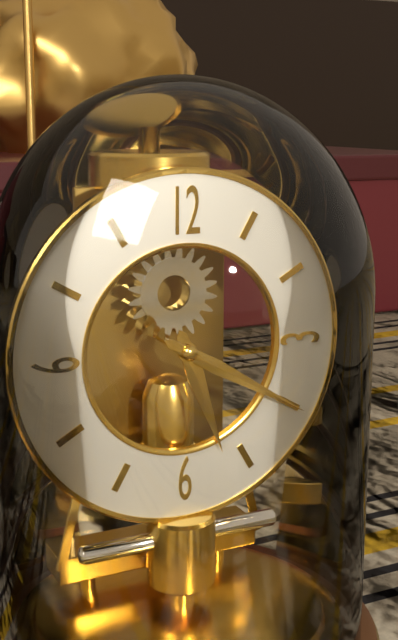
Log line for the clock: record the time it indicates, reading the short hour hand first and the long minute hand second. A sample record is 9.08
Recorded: 5.20
